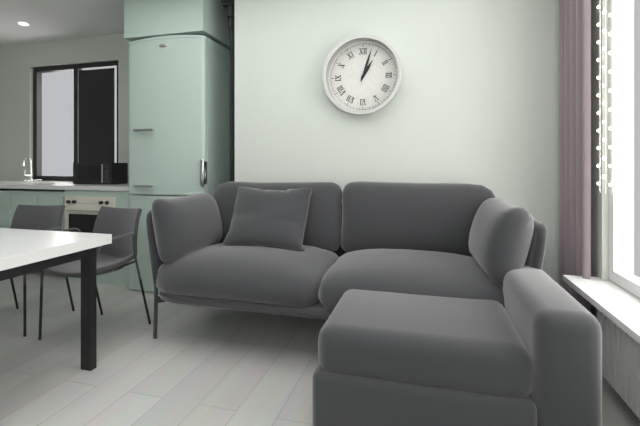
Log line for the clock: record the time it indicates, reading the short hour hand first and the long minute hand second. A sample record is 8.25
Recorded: 1.03
